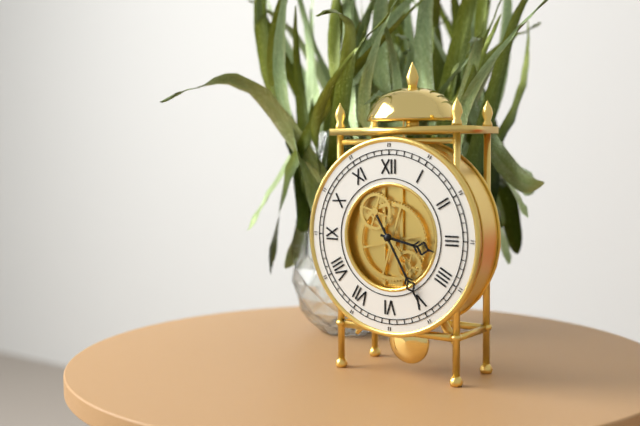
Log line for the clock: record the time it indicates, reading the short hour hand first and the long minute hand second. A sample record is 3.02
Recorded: 3.25
